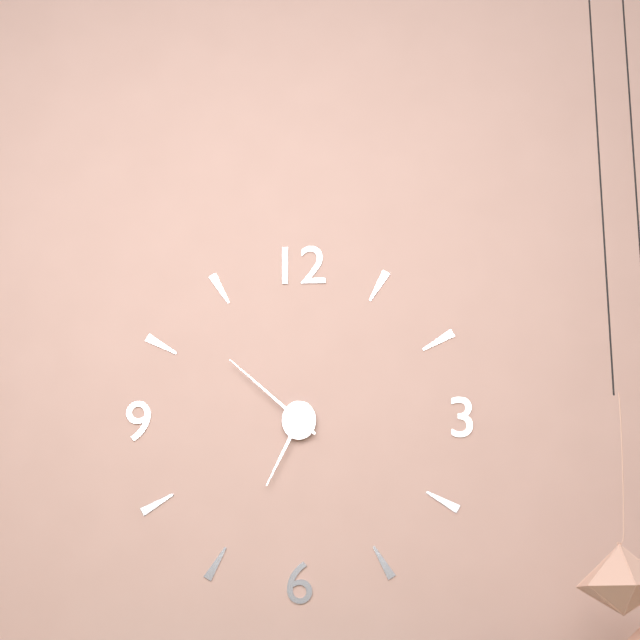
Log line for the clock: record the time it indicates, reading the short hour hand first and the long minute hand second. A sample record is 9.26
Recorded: 6.52
